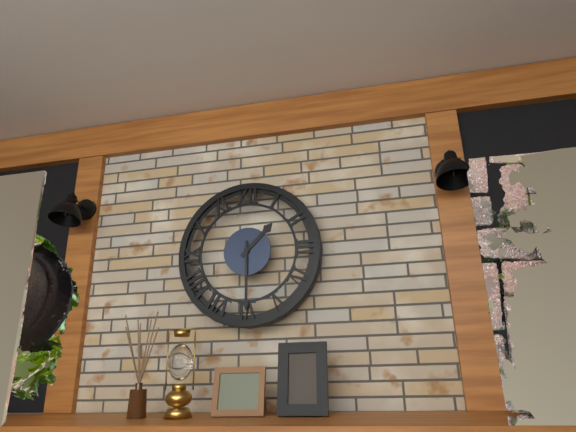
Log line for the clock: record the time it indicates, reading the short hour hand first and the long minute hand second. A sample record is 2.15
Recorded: 1.30
